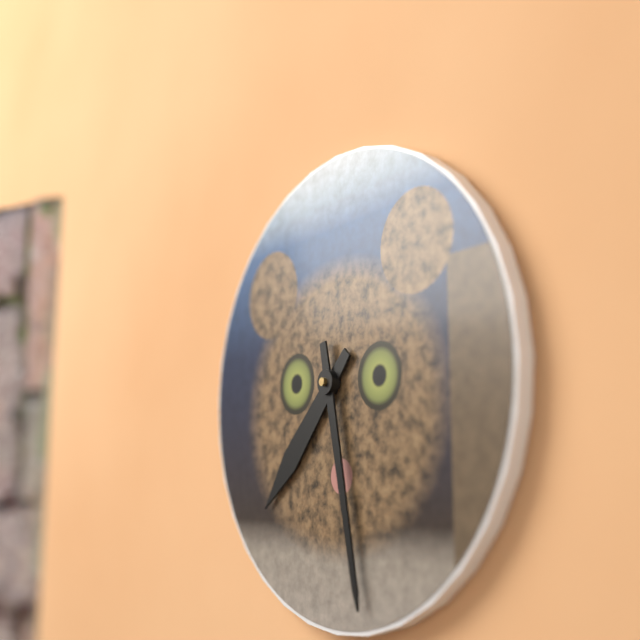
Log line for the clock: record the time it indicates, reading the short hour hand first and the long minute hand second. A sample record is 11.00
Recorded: 7.28
